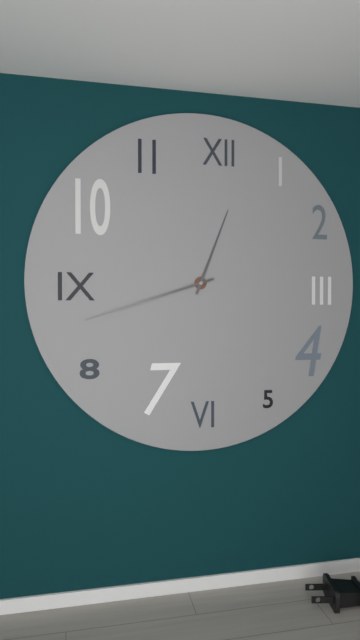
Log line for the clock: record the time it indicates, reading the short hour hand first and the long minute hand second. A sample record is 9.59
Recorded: 12.42
